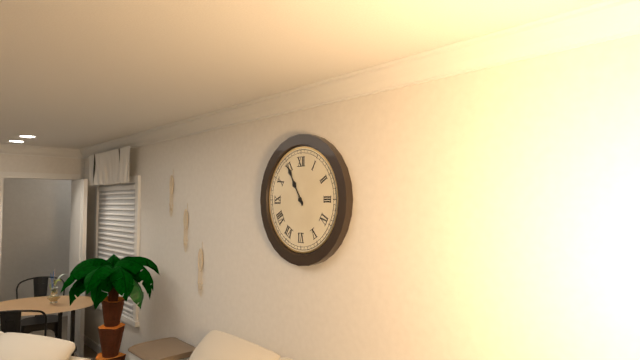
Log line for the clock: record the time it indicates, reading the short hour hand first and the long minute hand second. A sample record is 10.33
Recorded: 10.55
